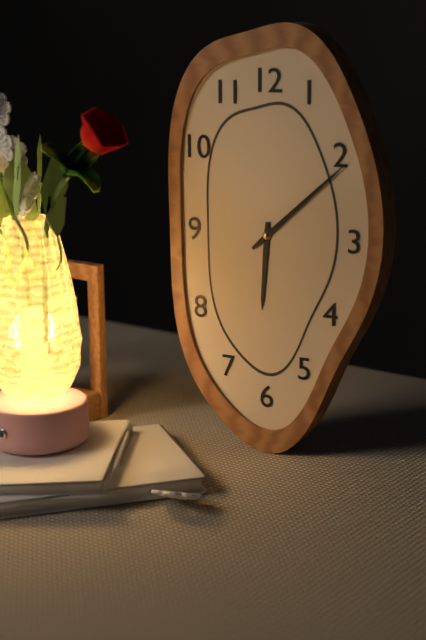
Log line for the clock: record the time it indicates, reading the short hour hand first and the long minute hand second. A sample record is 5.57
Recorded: 6.08
